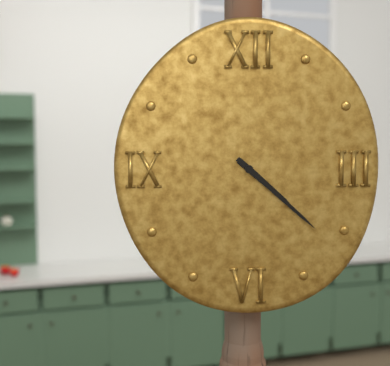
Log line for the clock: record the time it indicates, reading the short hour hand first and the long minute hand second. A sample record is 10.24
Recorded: 4.22
